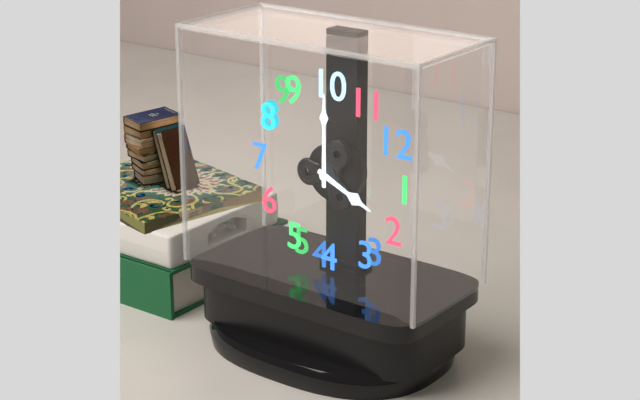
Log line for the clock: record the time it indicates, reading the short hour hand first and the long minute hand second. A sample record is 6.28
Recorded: 1.50
